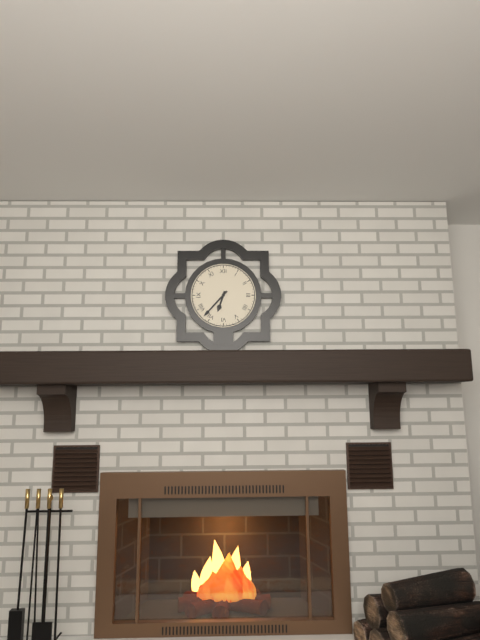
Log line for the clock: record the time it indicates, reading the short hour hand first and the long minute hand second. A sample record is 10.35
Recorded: 6.37
